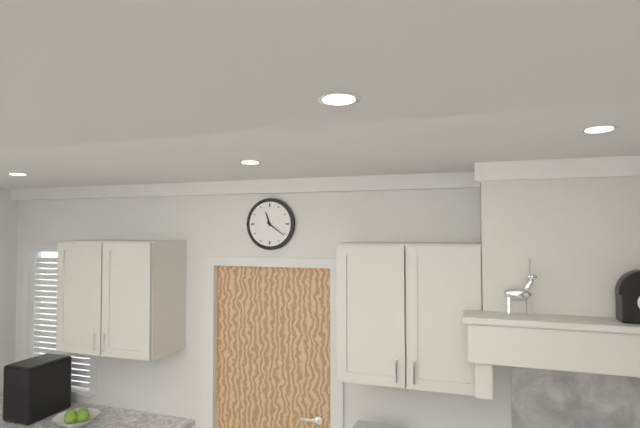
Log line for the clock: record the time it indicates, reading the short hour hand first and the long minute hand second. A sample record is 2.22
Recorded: 11.21
